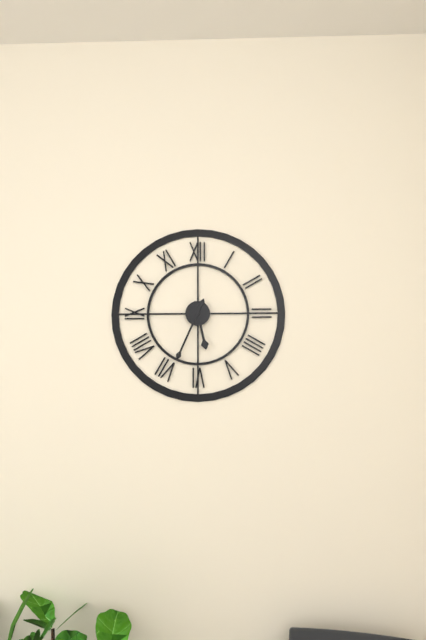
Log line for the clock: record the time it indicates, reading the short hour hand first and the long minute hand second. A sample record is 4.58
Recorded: 5.34
